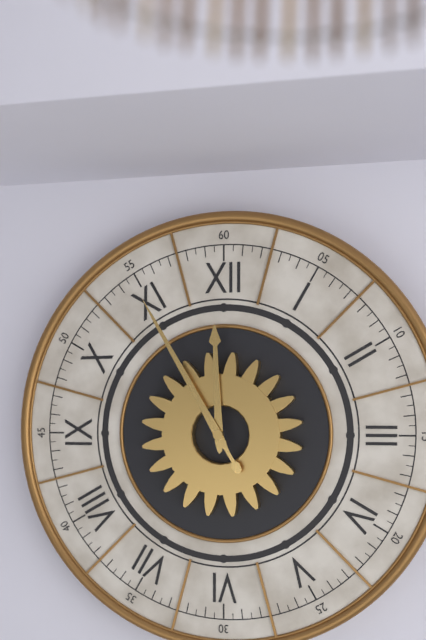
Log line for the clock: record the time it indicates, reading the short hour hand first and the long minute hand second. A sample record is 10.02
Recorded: 11.55
